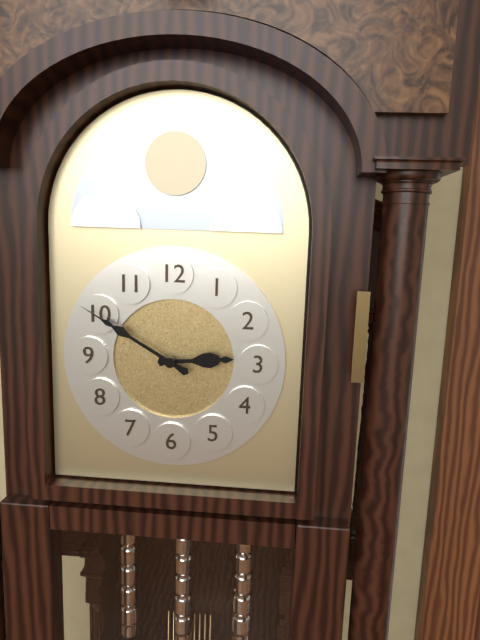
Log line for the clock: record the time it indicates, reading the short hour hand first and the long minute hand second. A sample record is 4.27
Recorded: 2.50
